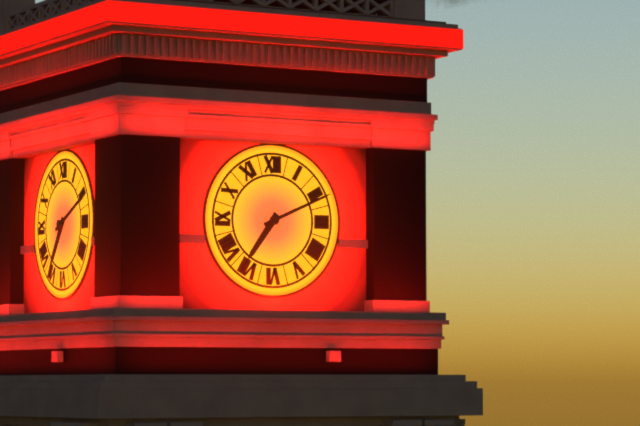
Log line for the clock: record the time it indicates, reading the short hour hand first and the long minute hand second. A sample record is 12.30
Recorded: 7.11
